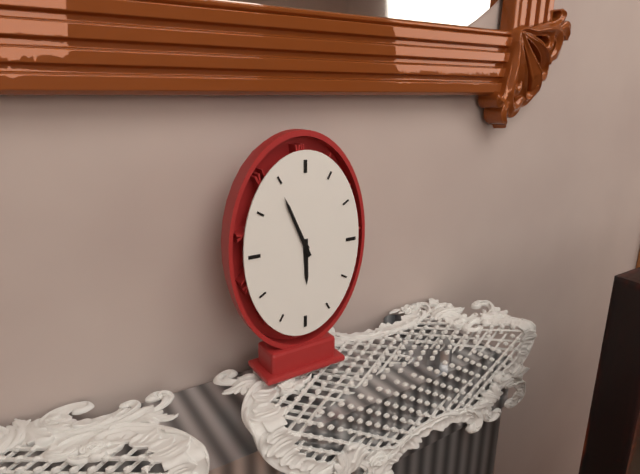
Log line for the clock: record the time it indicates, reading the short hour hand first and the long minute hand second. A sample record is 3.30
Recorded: 5.56
